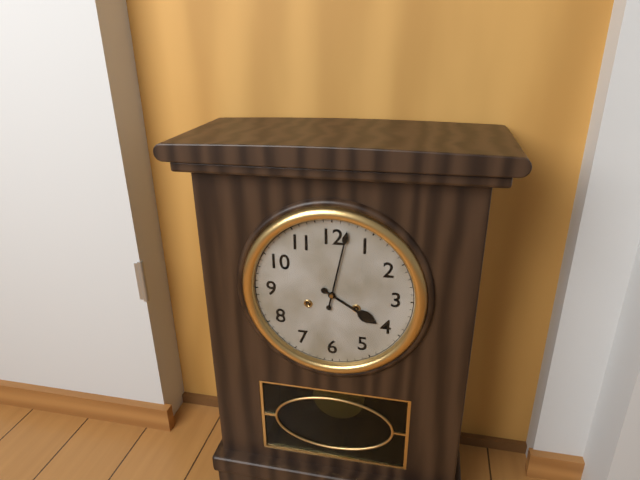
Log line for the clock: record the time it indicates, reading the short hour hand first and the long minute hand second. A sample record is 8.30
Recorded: 4.02
